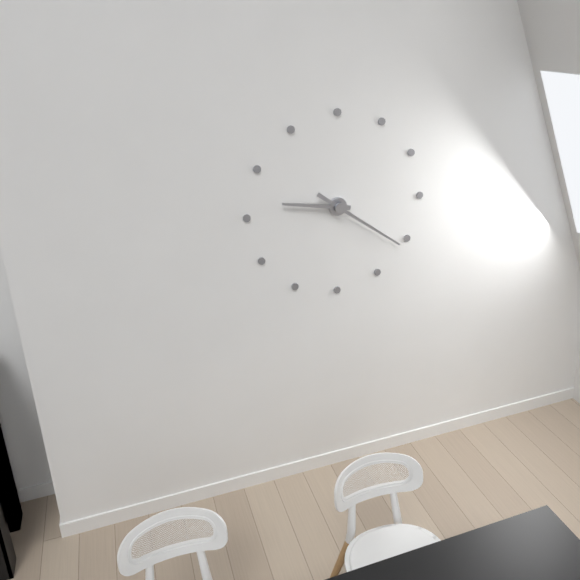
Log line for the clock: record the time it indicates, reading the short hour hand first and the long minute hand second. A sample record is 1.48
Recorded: 9.21
